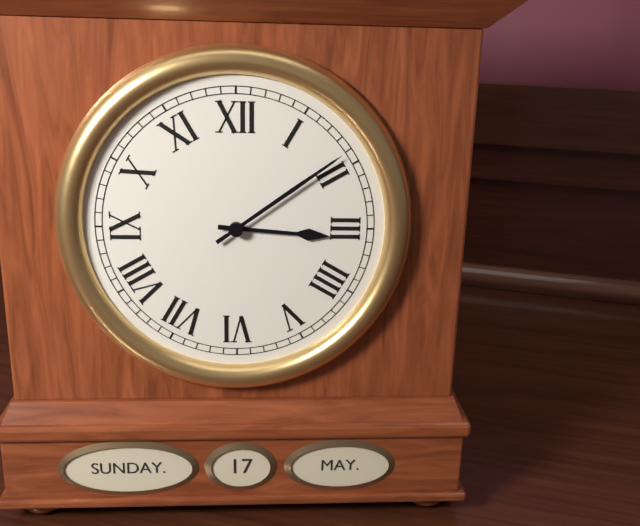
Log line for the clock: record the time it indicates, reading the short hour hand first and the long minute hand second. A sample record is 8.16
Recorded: 3.09
